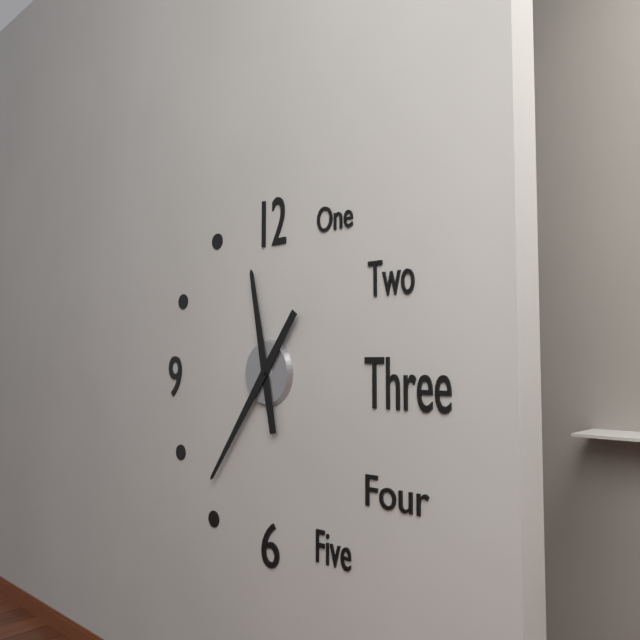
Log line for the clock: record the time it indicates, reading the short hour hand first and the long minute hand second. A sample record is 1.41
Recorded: 11.36
